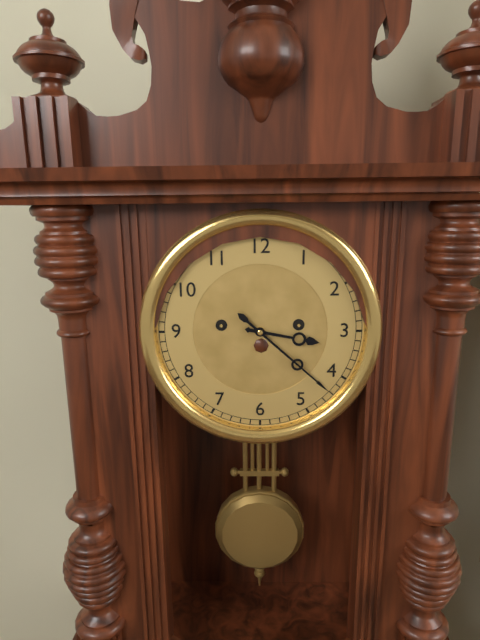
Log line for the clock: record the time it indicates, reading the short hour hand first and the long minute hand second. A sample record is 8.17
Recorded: 3.22
